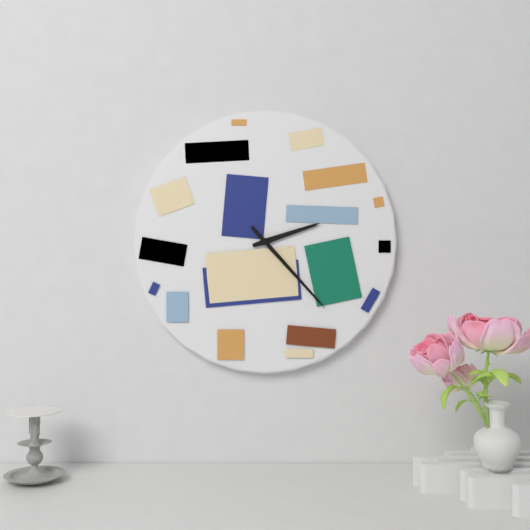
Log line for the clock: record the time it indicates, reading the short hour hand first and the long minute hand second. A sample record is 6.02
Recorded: 2.23
